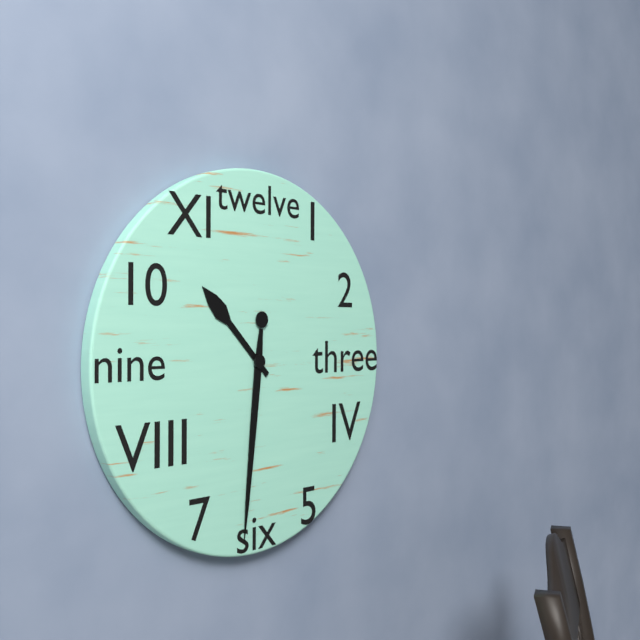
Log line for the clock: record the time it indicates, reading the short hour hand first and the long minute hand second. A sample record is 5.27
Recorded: 10.31
